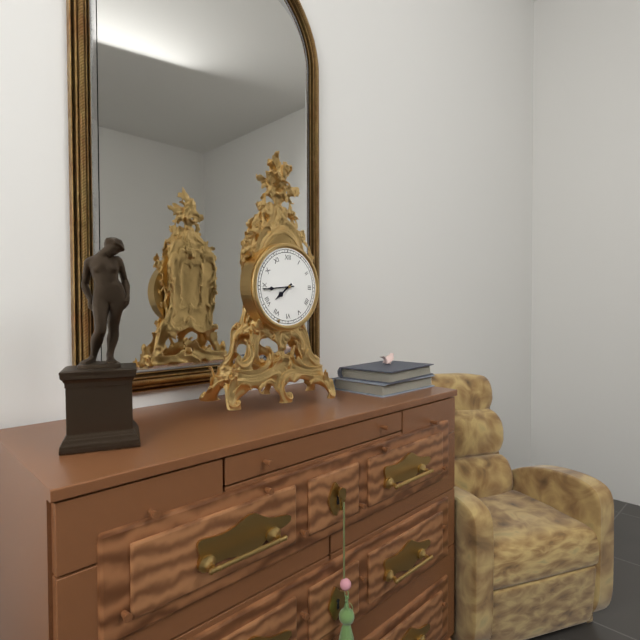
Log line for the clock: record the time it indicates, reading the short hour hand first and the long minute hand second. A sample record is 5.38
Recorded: 7.44
